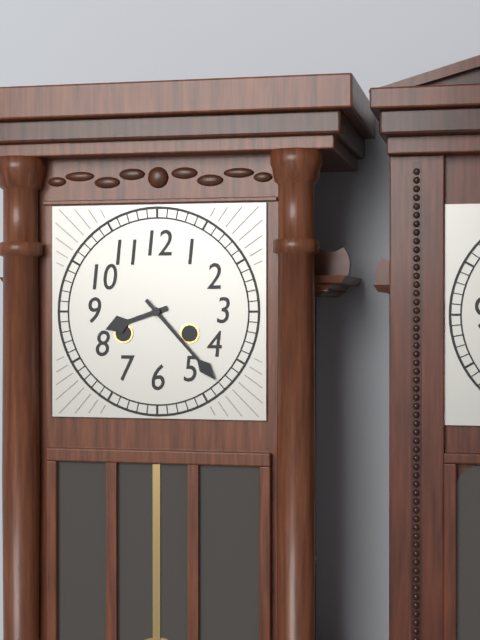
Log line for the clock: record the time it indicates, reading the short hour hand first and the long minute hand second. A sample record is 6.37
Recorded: 8.23
